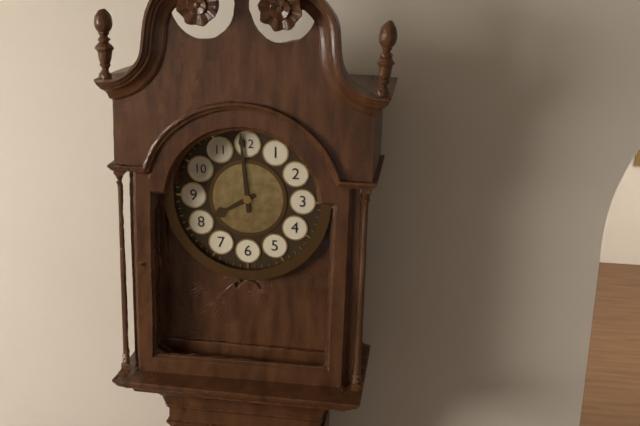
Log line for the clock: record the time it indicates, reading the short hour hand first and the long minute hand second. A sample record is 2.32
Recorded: 7.59
